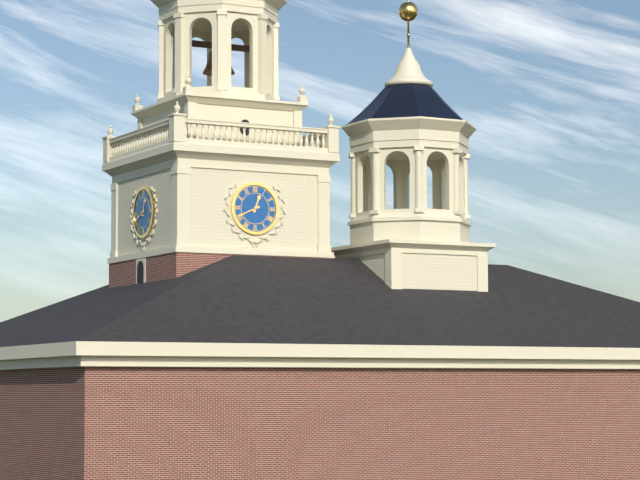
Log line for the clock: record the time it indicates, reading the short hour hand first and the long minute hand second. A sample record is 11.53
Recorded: 12.41
